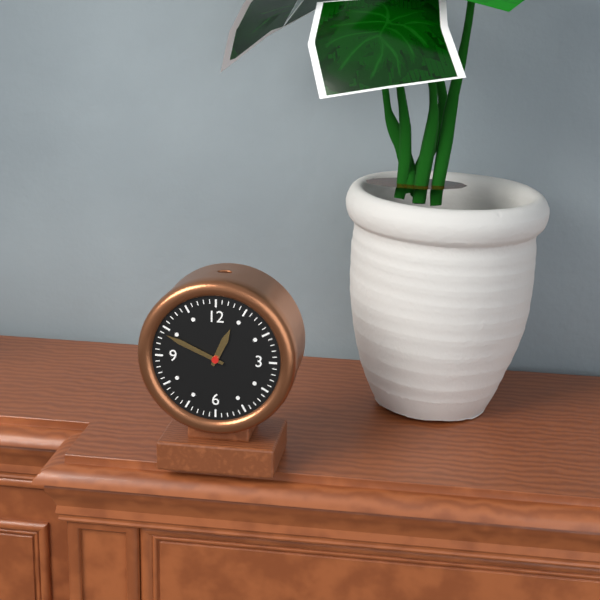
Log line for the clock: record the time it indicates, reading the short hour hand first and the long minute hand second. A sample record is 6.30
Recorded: 12.49
